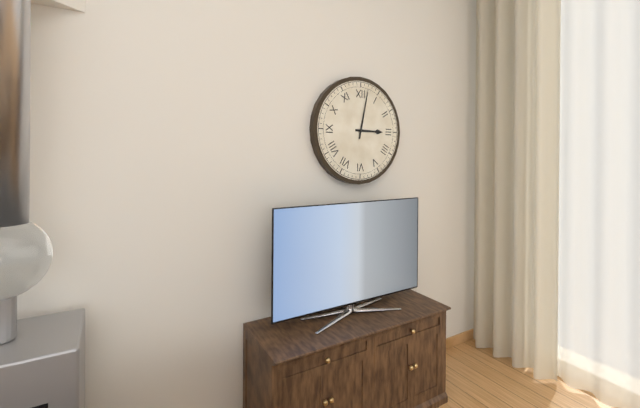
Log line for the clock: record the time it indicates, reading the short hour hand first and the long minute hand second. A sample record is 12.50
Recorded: 3.02
